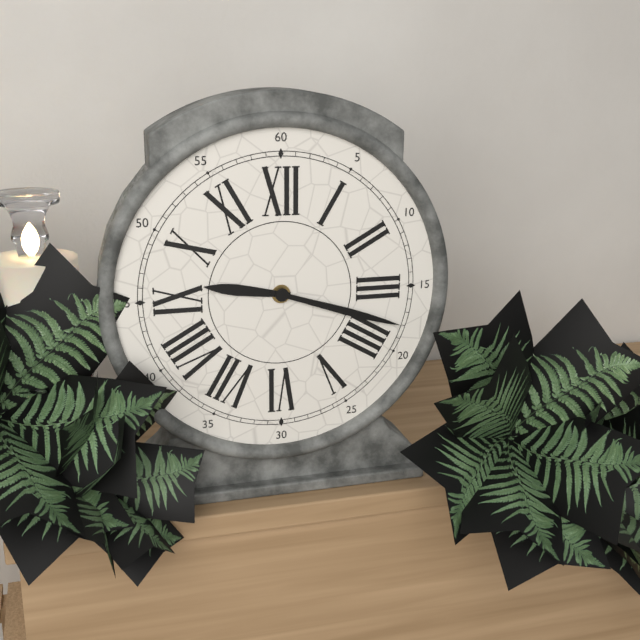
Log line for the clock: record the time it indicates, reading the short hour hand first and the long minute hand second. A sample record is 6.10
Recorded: 9.18
